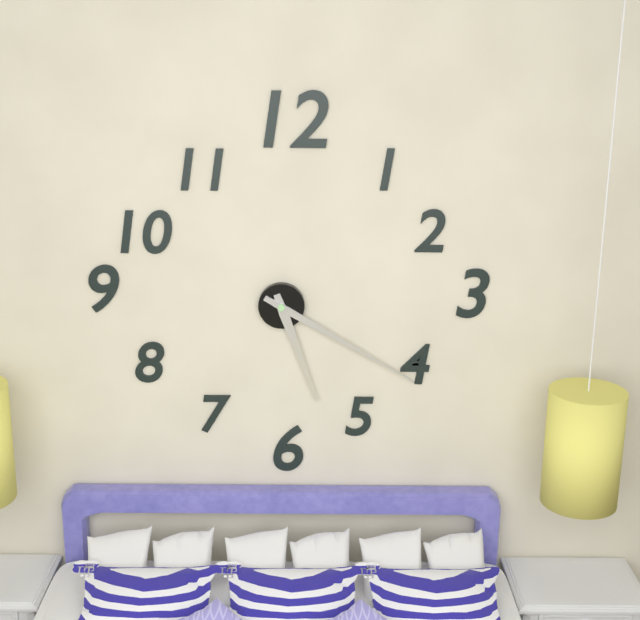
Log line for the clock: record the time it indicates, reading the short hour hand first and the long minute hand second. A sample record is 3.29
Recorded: 5.20
